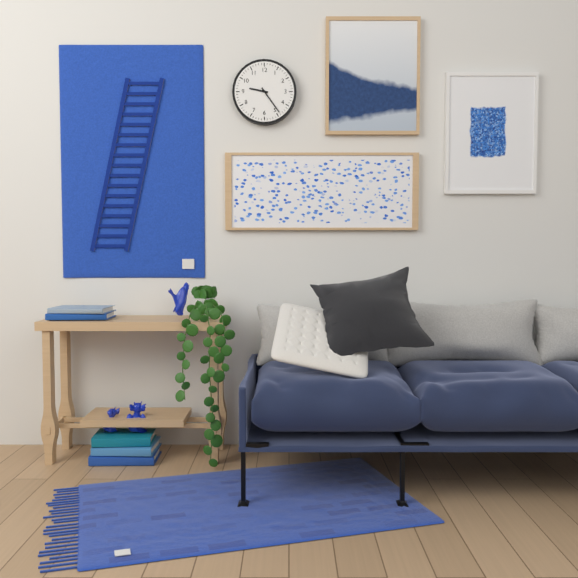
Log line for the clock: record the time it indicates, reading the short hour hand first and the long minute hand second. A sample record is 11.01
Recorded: 9.24
